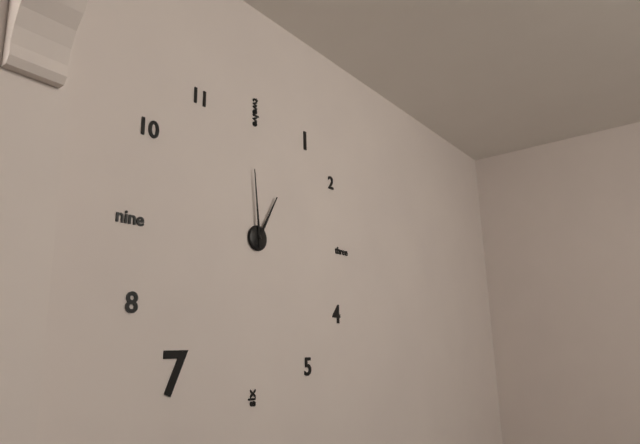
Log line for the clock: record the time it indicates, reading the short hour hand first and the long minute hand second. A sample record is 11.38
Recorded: 12.59
